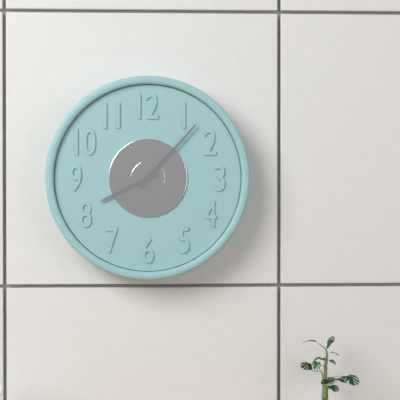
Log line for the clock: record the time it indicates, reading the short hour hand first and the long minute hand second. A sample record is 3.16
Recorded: 8.07
